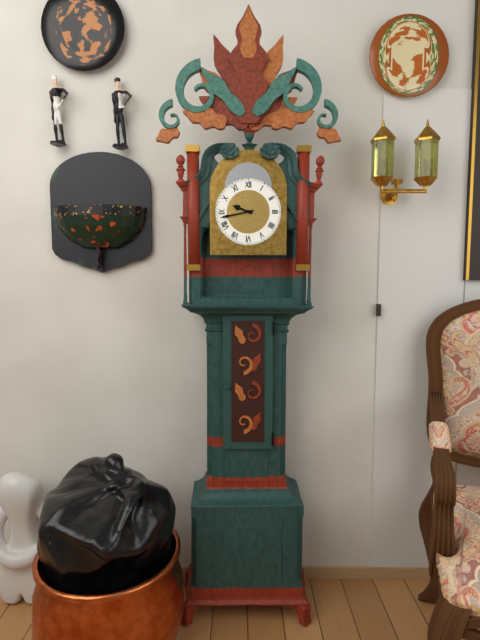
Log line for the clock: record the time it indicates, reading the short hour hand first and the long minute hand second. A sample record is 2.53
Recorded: 9.43
